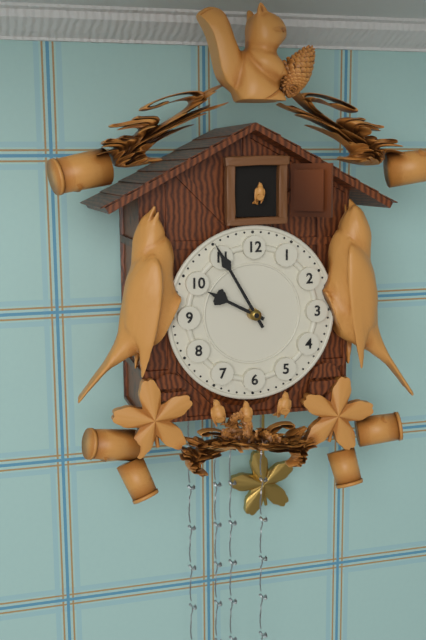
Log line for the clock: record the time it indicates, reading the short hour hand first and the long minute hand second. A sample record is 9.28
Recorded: 9.55
